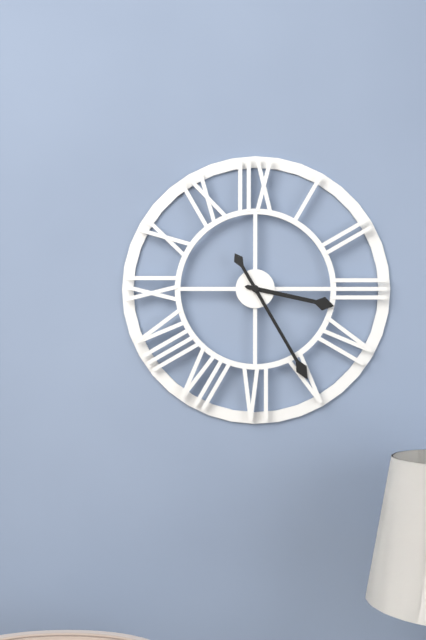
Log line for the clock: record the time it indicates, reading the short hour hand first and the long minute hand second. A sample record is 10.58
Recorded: 3.25
